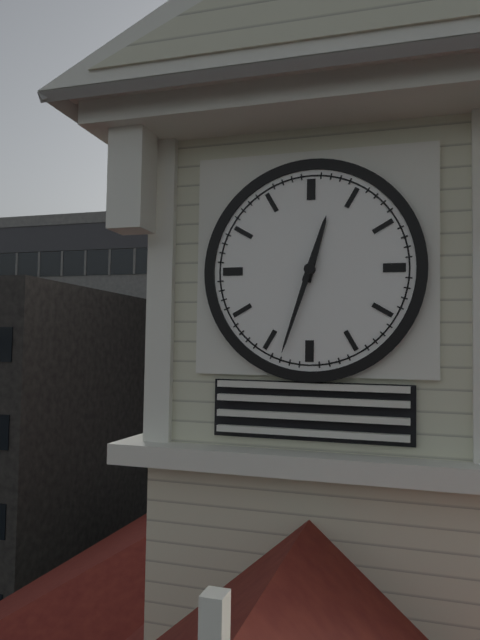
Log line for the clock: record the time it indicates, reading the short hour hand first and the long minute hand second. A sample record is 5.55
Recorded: 12.33
